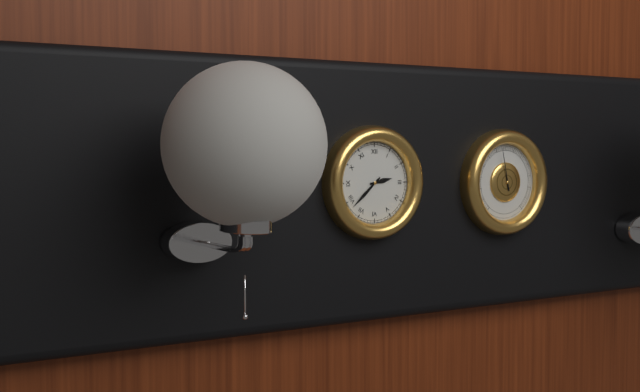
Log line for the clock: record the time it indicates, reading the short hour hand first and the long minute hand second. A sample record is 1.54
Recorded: 2.38
